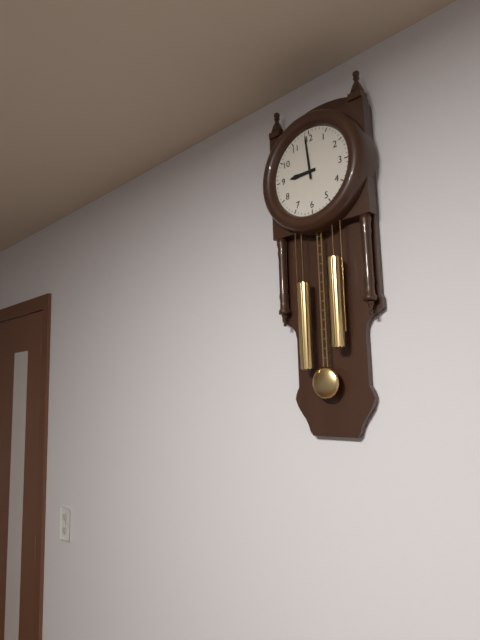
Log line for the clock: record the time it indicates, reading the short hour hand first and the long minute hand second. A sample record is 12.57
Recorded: 8.59
